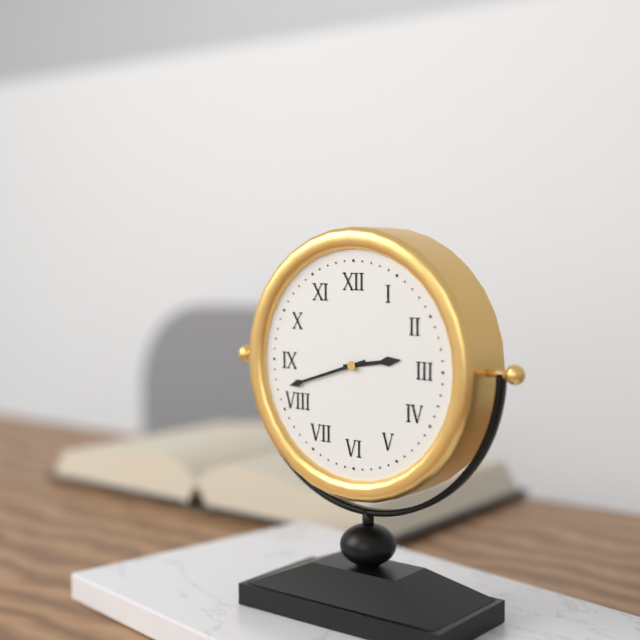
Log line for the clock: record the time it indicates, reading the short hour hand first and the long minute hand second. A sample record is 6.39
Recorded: 2.42
